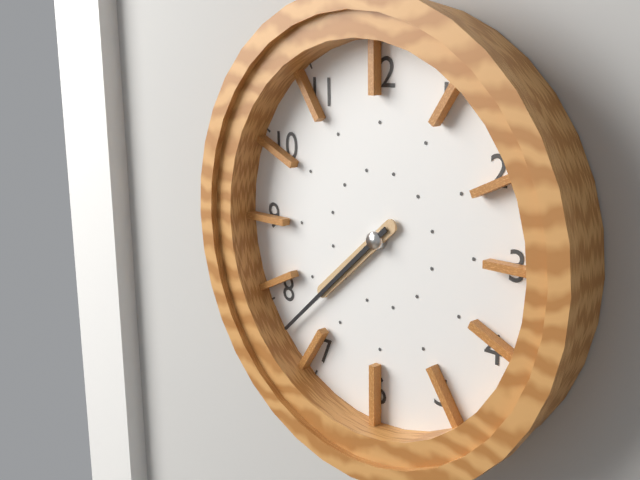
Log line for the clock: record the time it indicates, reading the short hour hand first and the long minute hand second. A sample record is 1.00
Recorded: 7.38
